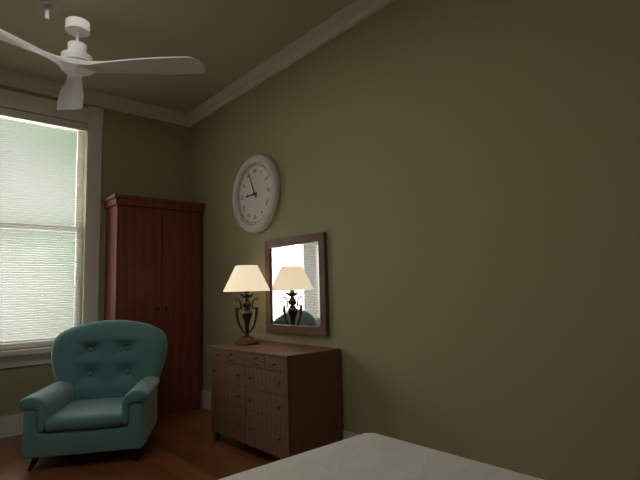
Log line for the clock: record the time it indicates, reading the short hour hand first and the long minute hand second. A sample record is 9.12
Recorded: 8.56
